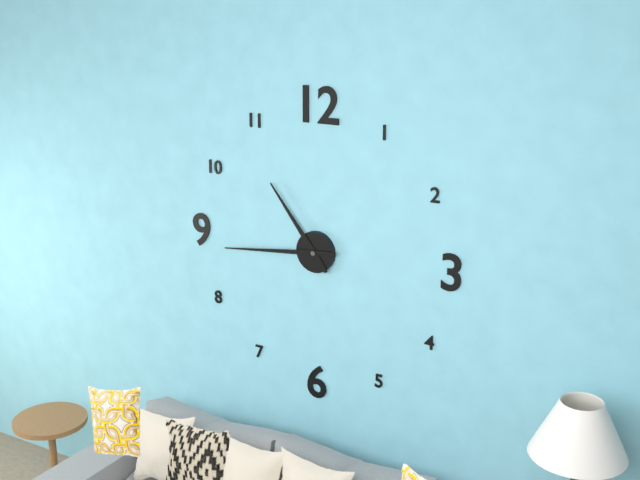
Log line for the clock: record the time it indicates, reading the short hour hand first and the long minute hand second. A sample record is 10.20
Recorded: 10.44
